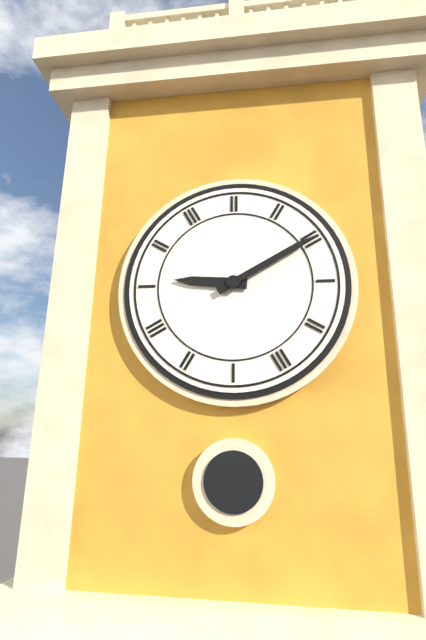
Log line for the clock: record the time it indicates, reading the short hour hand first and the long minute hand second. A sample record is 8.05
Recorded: 9.10
